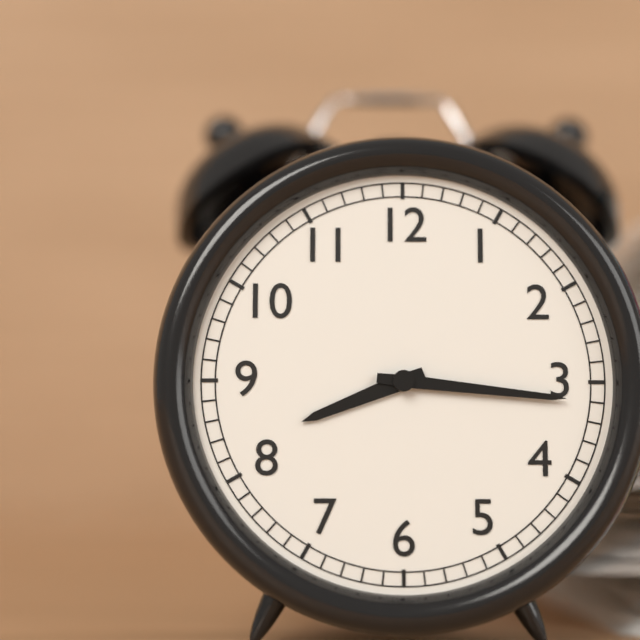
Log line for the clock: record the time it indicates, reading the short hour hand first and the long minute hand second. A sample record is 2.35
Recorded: 8.16
